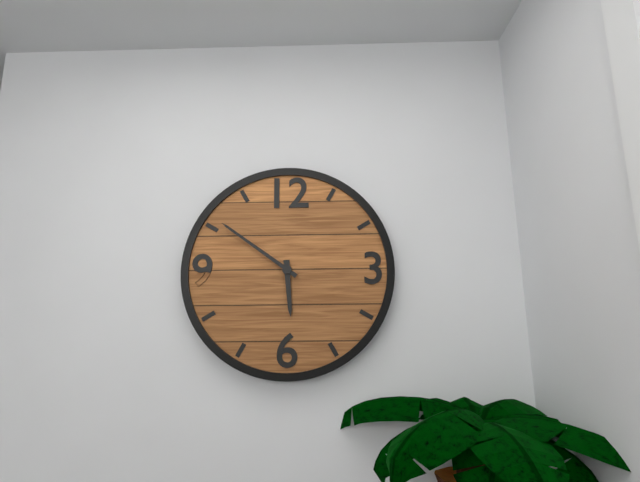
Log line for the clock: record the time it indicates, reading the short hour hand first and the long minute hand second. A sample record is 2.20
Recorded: 5.51
